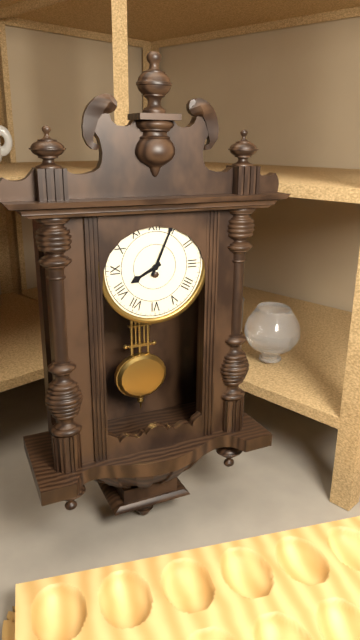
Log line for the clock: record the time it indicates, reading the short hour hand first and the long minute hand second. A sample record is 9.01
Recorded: 8.04
